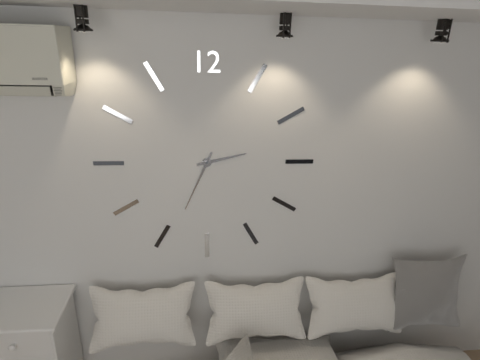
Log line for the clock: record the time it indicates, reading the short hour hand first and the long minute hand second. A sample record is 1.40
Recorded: 2.34
